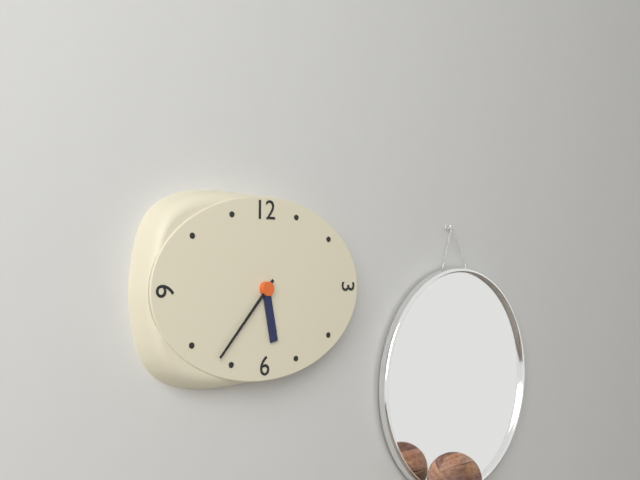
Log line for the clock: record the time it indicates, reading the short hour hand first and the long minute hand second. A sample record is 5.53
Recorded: 5.37
